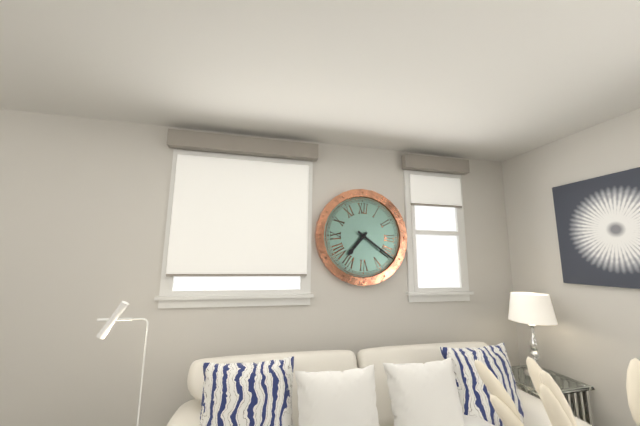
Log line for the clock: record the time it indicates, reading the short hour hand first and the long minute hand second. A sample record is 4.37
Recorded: 7.21
